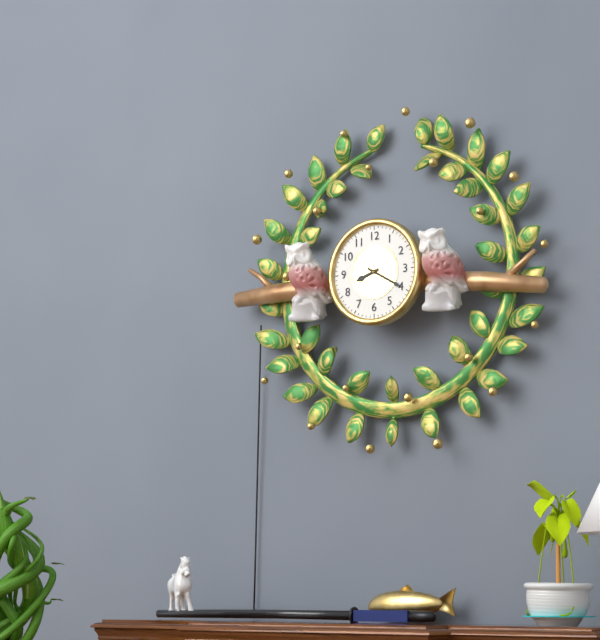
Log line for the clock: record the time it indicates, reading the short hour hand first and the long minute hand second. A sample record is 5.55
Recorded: 8.20
